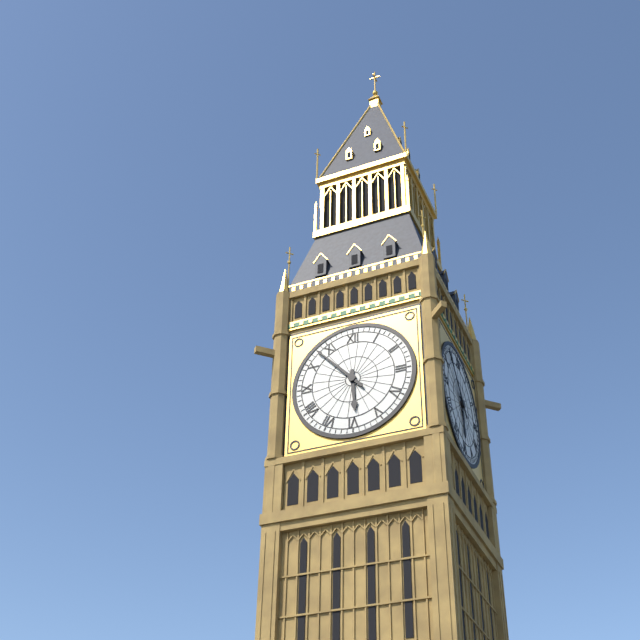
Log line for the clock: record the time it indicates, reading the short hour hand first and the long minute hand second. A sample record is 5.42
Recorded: 5.53
